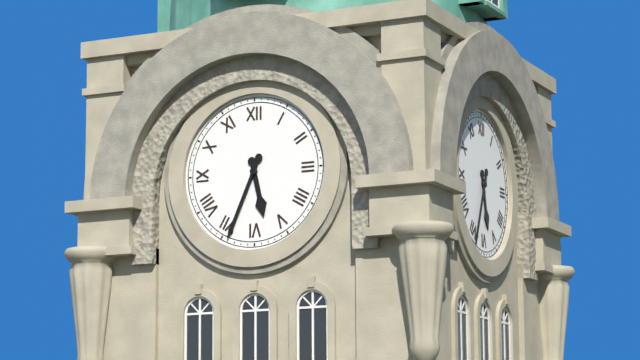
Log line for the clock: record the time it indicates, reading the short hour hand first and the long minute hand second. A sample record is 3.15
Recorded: 5.34
